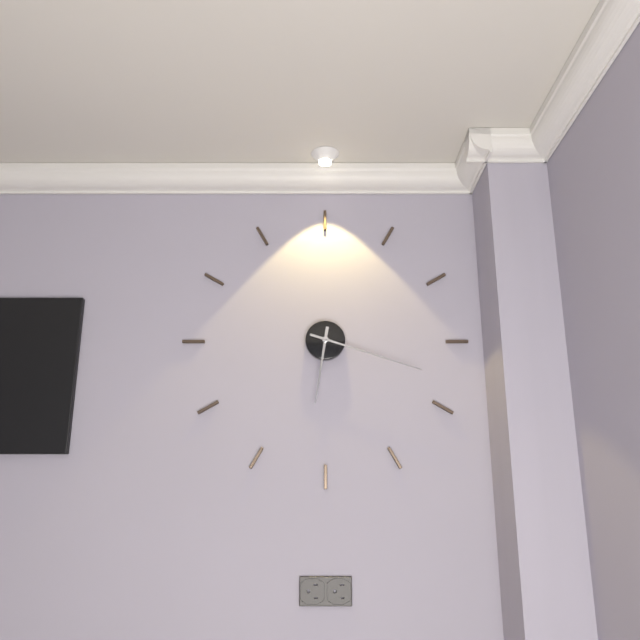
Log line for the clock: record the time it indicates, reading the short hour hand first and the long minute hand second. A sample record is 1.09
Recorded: 6.18
